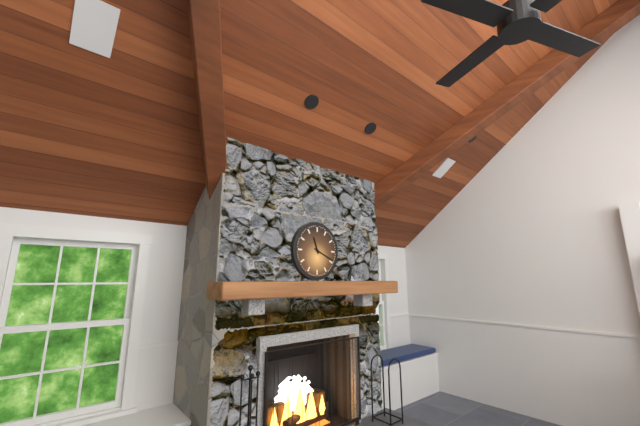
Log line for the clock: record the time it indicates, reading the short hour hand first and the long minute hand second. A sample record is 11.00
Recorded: 11.19
